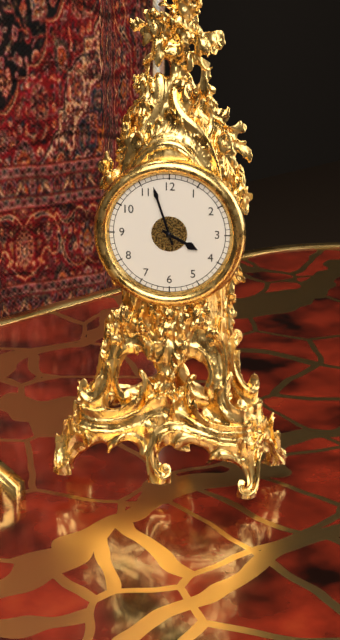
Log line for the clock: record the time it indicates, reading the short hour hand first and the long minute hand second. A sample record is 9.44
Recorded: 3.57
